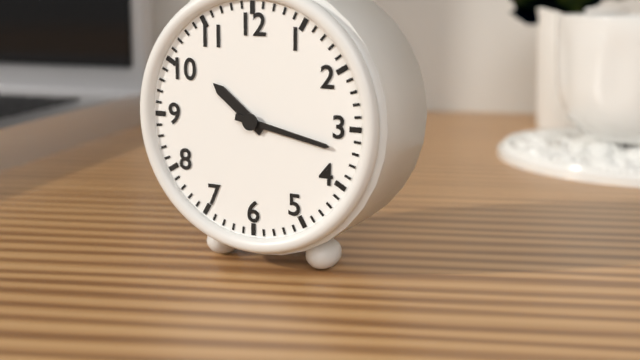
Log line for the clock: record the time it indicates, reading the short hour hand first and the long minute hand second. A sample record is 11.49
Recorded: 10.17
